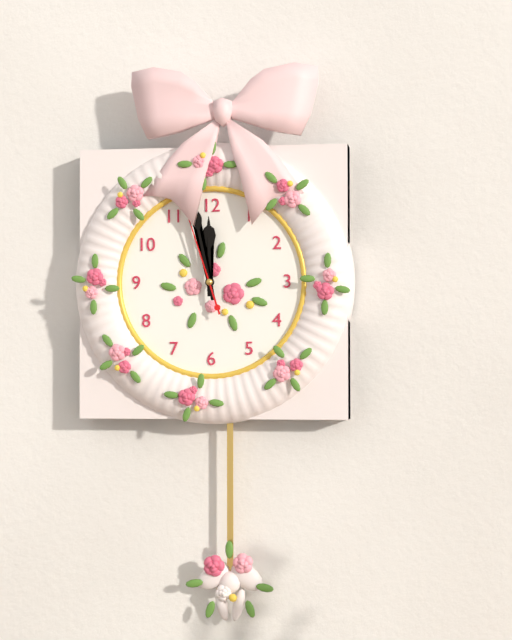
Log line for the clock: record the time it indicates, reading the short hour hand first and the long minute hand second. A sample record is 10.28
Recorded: 11.58
